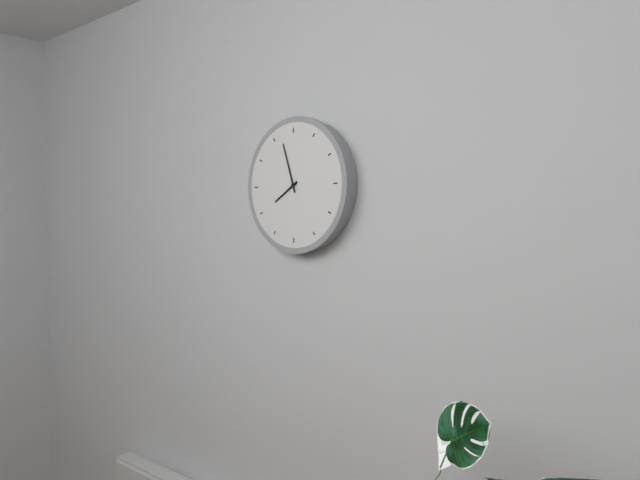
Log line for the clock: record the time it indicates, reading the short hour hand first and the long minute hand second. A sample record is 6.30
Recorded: 7.57
